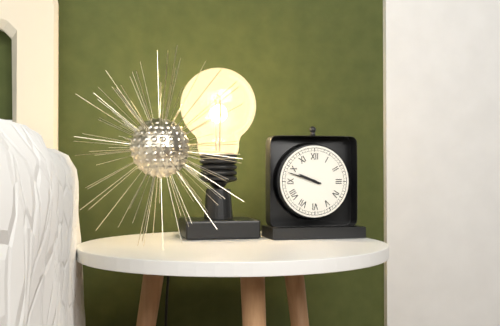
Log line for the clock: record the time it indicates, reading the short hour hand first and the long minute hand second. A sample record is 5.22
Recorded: 9.48
